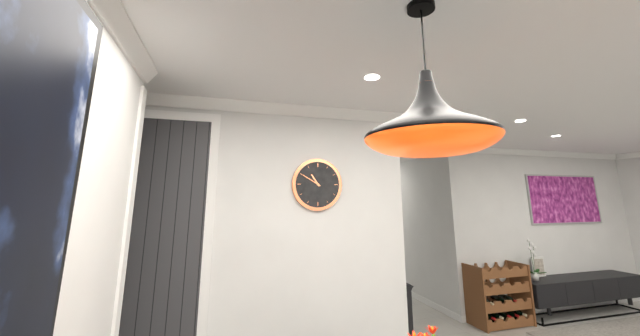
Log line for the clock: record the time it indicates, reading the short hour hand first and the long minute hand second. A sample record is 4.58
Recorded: 10.50
